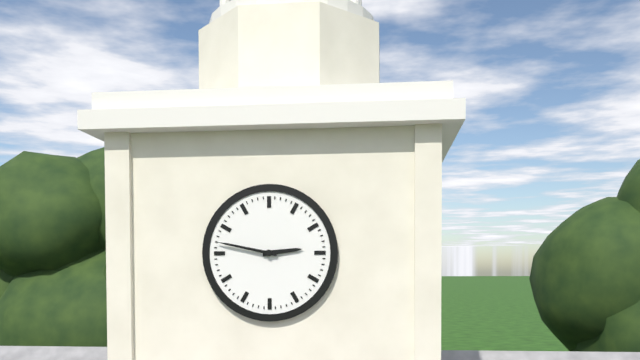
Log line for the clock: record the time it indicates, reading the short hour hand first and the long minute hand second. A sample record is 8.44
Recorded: 2.47
